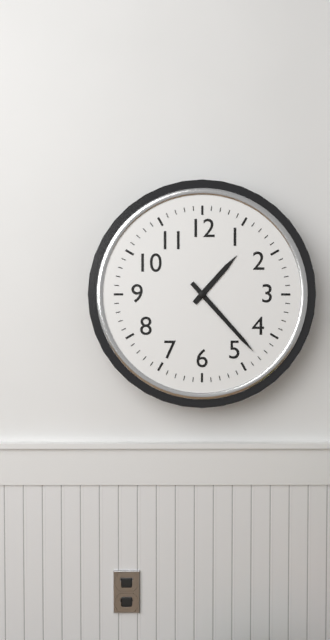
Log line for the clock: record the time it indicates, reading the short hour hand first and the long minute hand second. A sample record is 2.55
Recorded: 1.23
